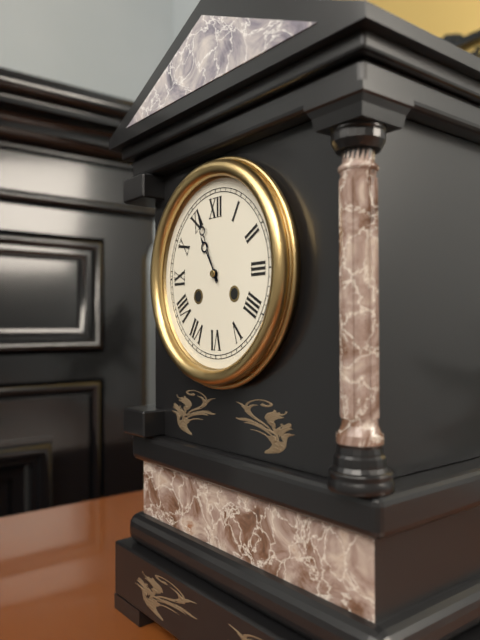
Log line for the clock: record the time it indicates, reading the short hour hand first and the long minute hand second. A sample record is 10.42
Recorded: 10.56
